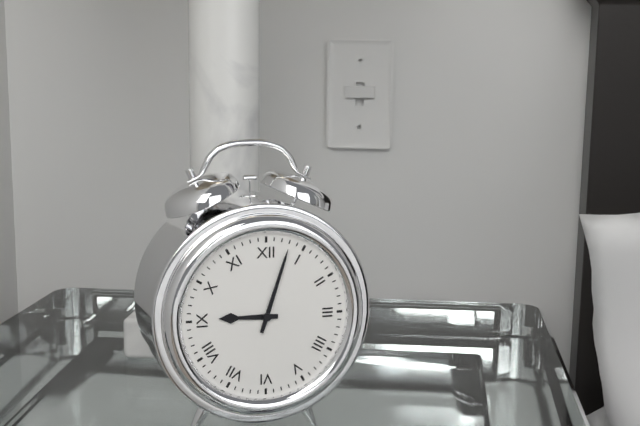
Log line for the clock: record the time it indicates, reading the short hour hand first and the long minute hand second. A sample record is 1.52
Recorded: 9.03
